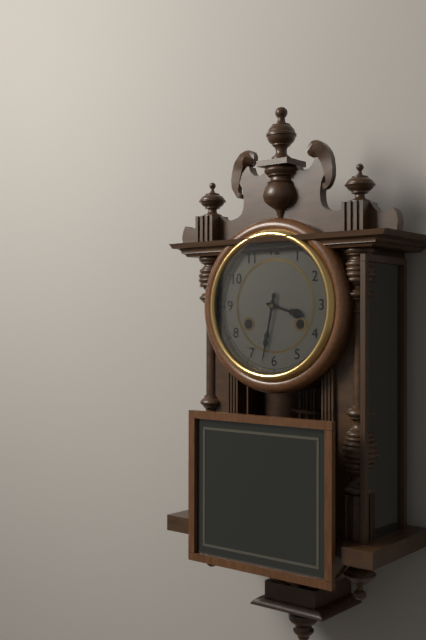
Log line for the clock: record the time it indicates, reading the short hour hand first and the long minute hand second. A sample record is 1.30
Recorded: 3.32
